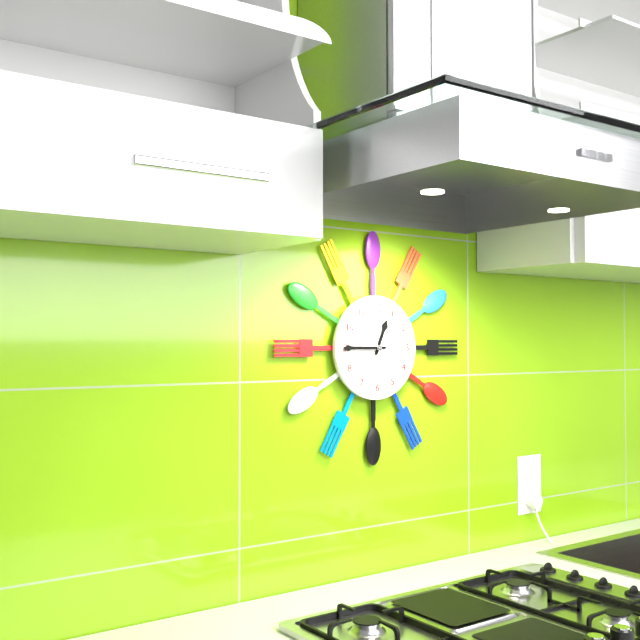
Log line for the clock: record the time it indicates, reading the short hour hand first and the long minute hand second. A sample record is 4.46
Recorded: 12.45
